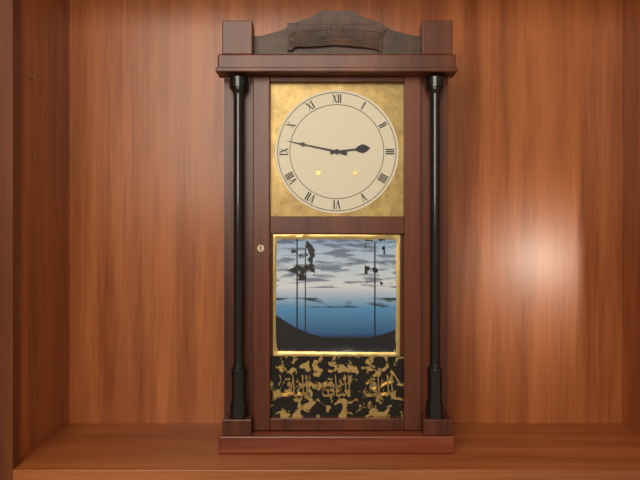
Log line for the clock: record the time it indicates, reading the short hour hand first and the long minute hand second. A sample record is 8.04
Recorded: 2.47
